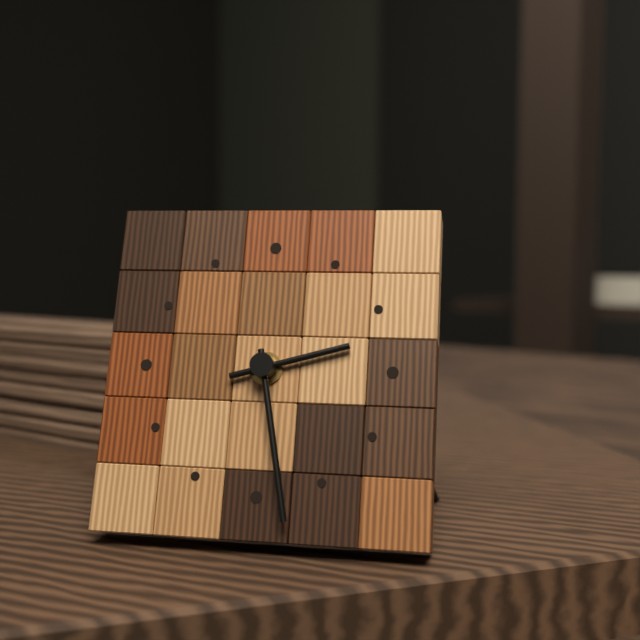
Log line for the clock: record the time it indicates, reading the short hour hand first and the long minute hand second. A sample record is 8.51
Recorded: 2.28
